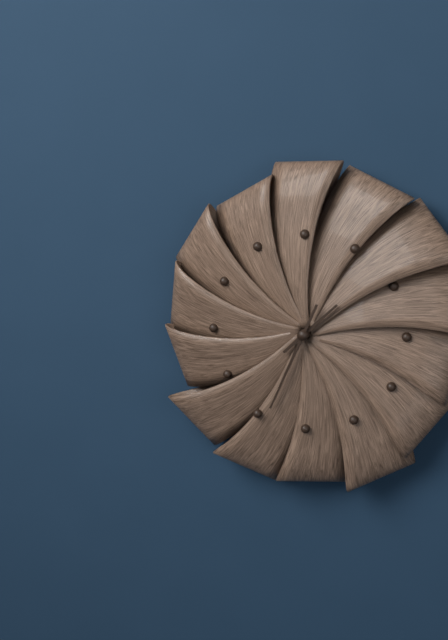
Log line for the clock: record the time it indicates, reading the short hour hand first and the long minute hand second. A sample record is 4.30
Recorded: 1.34
